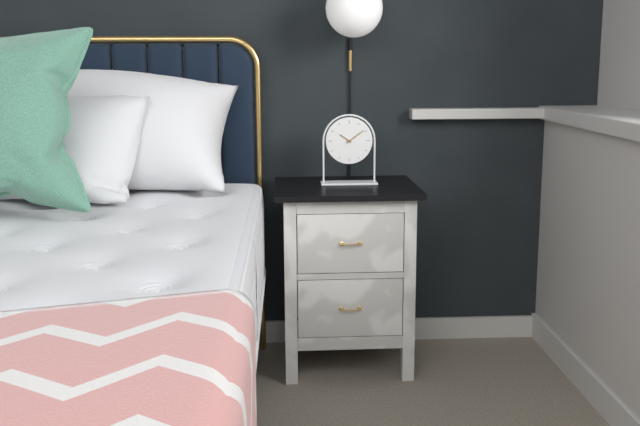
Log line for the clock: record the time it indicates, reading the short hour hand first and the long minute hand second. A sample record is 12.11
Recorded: 10.09
